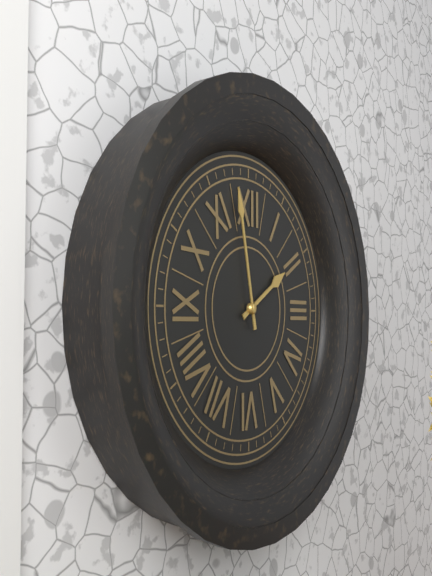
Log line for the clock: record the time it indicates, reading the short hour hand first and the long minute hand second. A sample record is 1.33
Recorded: 1.58
